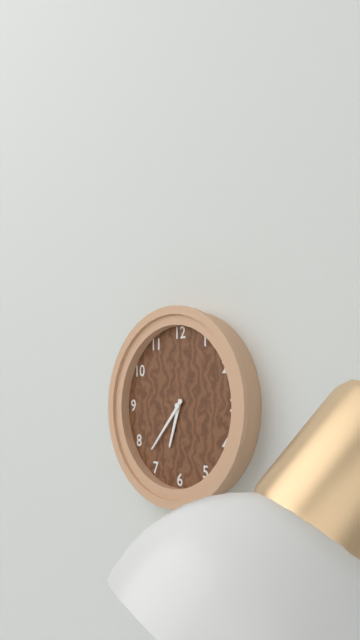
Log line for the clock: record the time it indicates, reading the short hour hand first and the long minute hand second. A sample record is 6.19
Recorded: 6.37
